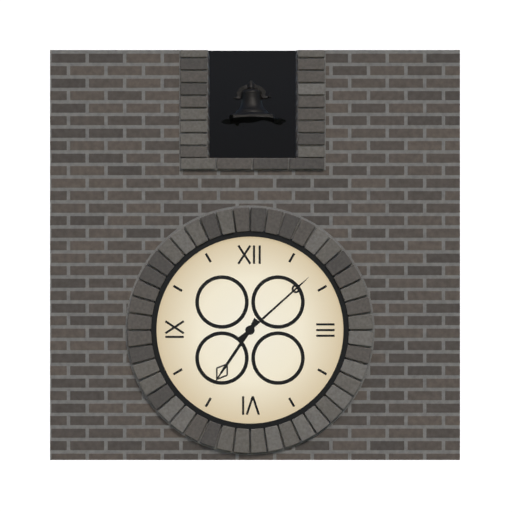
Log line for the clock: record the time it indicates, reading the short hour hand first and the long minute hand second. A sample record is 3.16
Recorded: 7.08
